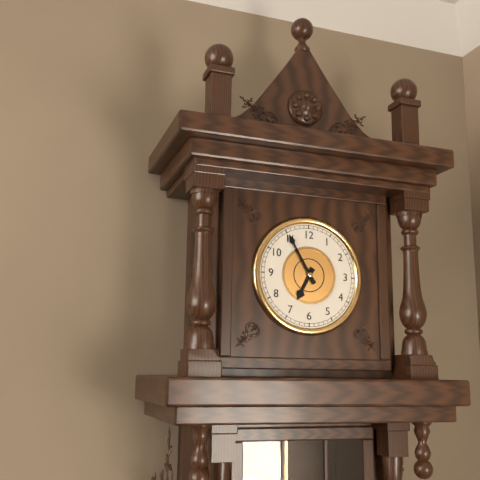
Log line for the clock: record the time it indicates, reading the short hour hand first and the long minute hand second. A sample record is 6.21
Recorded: 6.55
